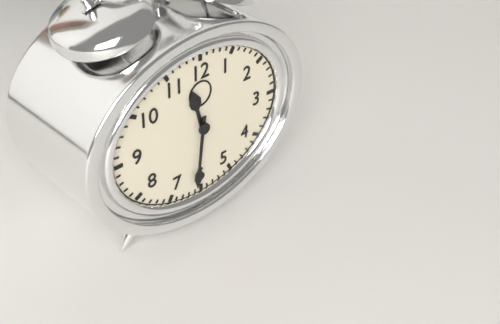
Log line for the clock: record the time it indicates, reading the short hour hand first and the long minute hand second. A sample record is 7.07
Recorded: 11.31
